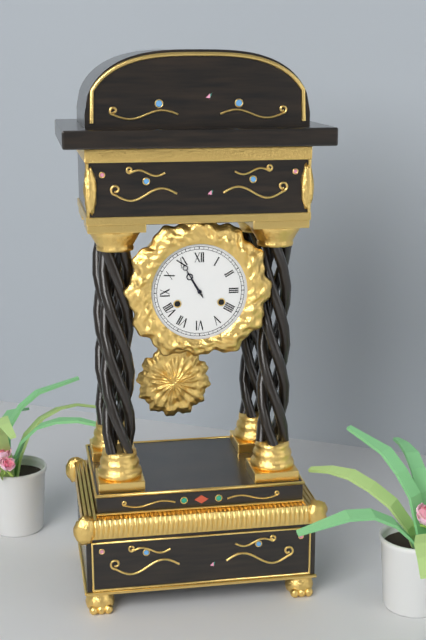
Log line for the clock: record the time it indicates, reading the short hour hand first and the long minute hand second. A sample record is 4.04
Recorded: 10.55
